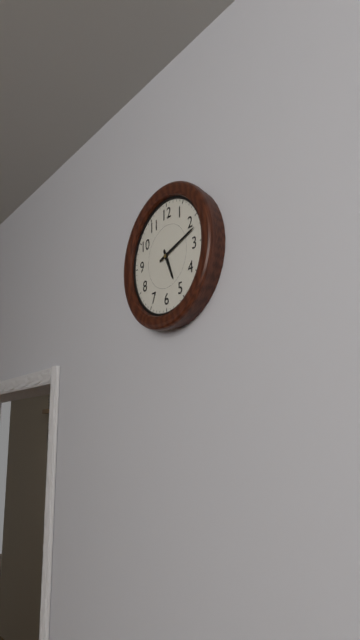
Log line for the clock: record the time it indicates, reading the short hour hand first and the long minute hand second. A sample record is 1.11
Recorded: 5.12
